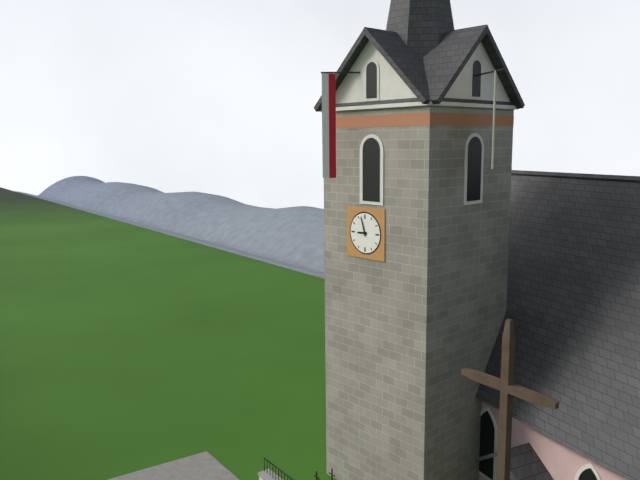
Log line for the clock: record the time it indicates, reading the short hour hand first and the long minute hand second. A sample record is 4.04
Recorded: 8.57
